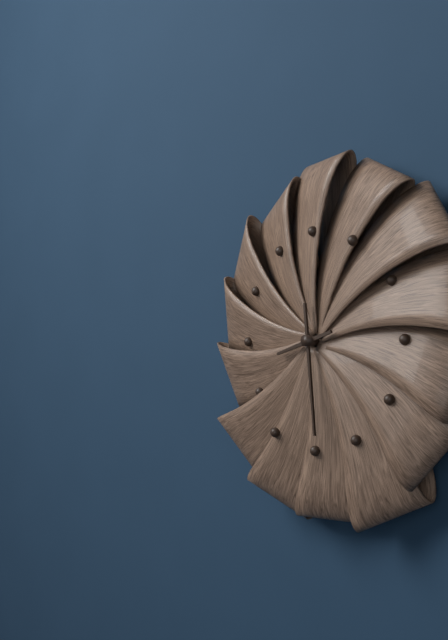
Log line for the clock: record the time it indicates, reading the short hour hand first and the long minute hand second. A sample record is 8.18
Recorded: 8.29
